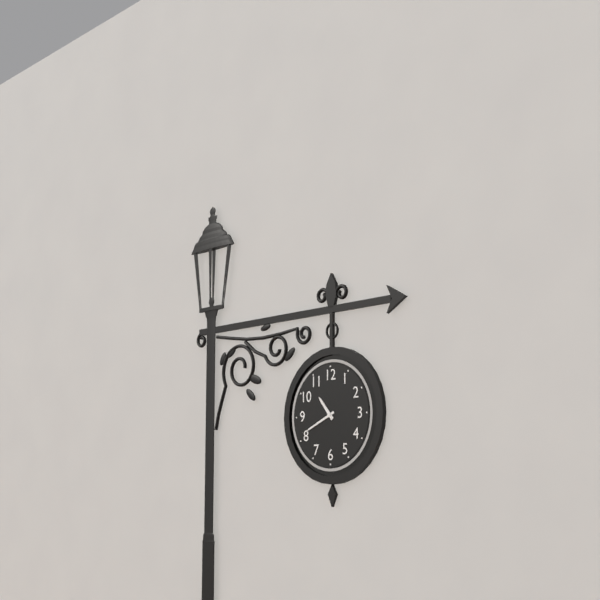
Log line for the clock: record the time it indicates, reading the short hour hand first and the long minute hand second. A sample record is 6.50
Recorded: 10.41
